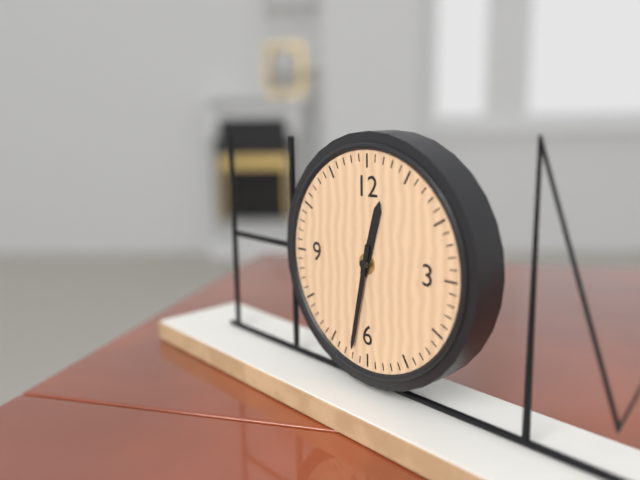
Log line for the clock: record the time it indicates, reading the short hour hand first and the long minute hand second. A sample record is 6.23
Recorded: 12.32
